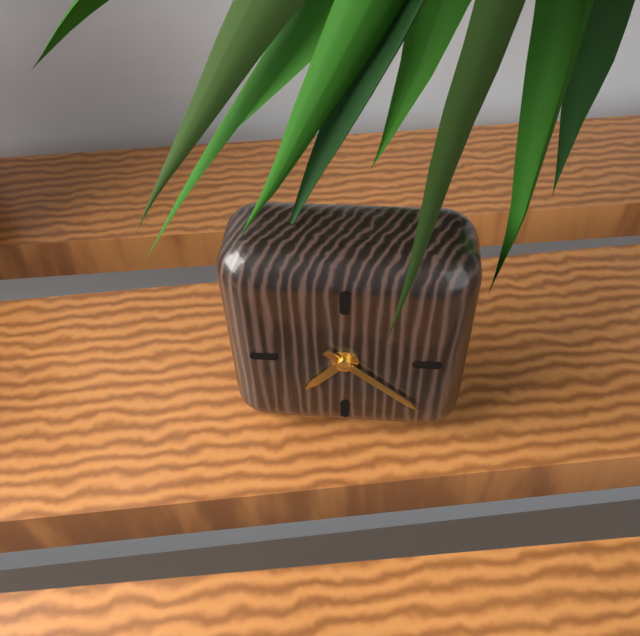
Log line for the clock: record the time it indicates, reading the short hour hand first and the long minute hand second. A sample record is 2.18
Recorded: 7.22
